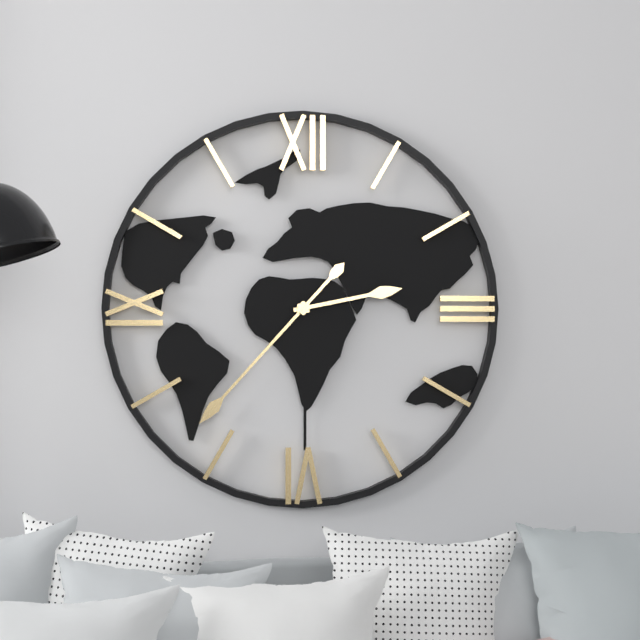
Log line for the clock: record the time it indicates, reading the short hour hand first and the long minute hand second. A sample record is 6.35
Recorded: 2.37
